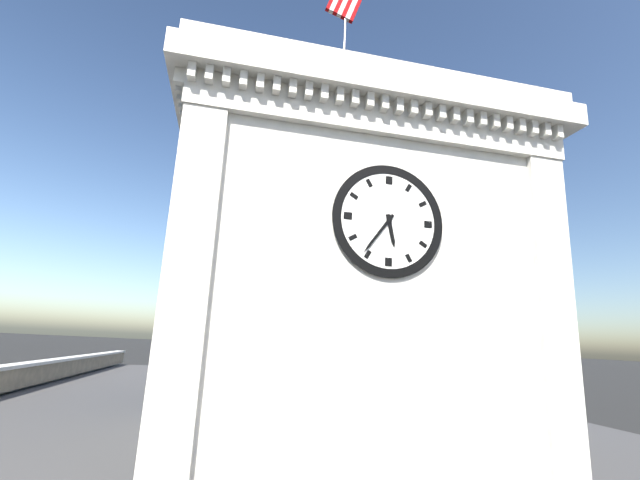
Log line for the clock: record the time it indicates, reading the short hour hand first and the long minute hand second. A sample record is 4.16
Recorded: 5.36
